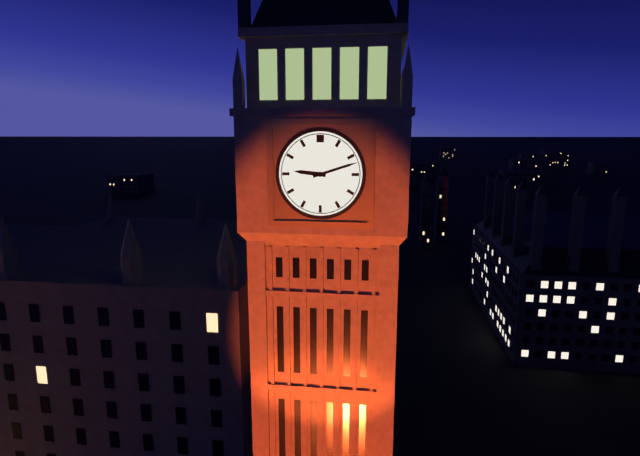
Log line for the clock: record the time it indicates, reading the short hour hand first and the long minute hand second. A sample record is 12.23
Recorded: 9.12
